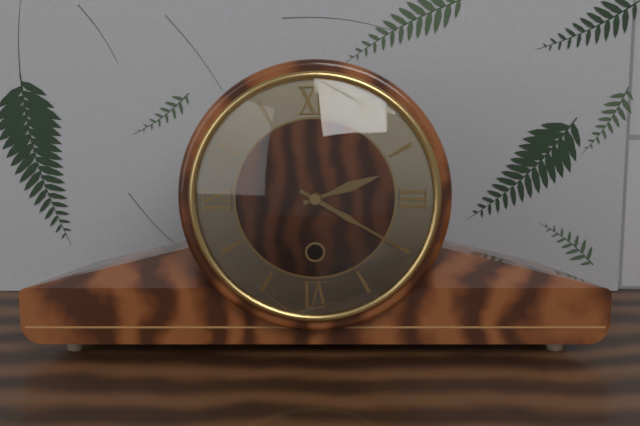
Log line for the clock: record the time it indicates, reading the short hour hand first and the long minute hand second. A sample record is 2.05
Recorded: 2.20
